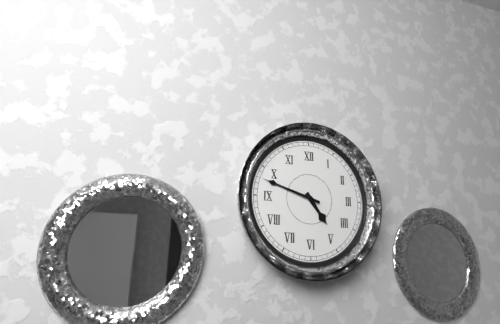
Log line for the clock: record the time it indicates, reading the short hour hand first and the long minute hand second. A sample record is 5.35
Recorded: 4.48
